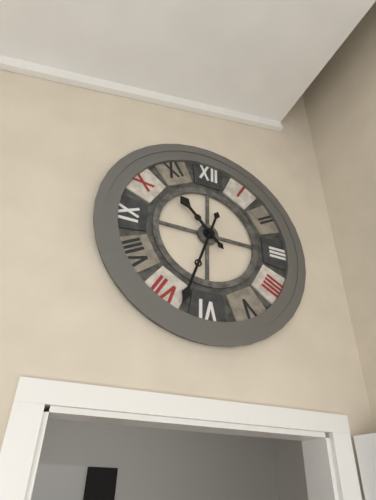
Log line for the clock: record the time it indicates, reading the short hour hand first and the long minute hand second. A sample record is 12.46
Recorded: 10.33
